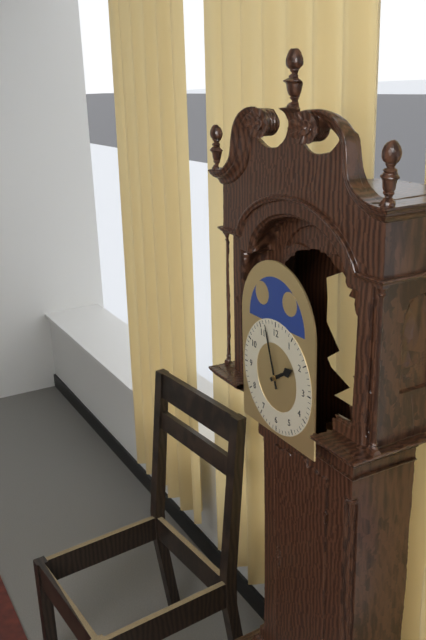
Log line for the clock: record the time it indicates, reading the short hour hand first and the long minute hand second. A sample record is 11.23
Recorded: 1.57
